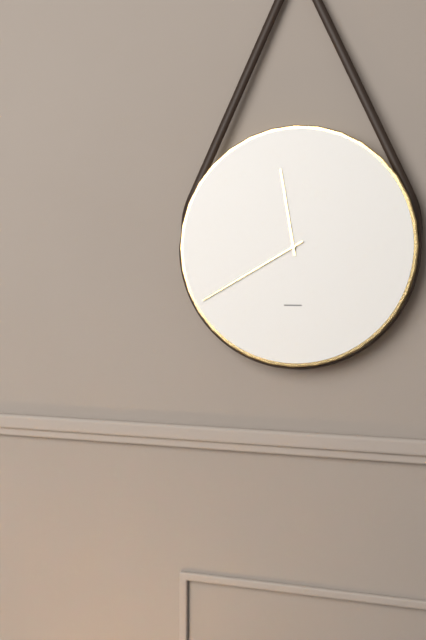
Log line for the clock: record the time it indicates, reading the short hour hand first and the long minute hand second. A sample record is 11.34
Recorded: 11.40
